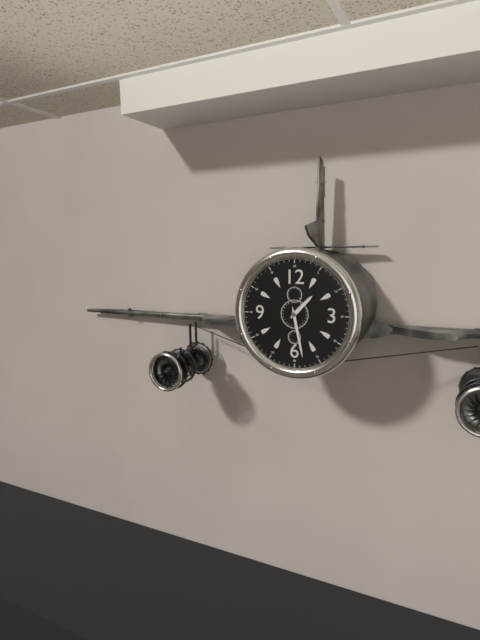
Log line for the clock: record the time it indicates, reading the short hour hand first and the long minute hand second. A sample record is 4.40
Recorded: 1.28
